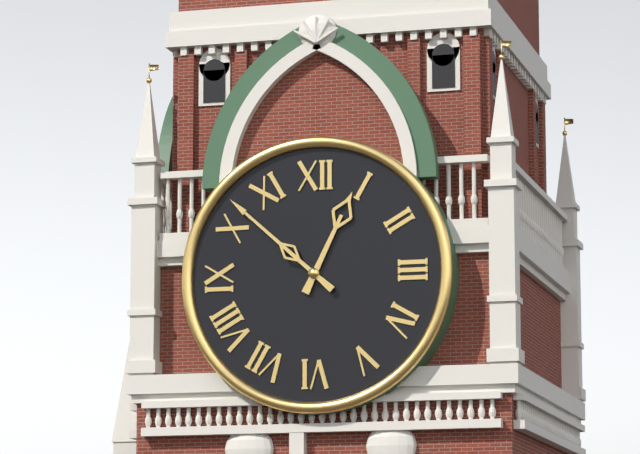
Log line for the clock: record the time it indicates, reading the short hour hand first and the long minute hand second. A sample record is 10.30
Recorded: 12.52
